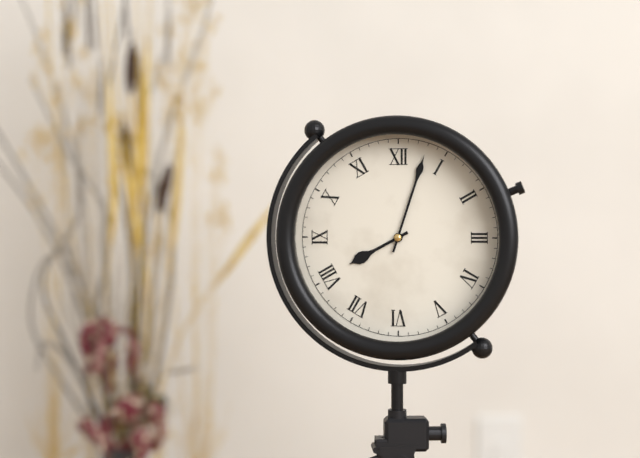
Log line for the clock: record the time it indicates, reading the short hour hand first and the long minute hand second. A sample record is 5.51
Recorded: 8.03
